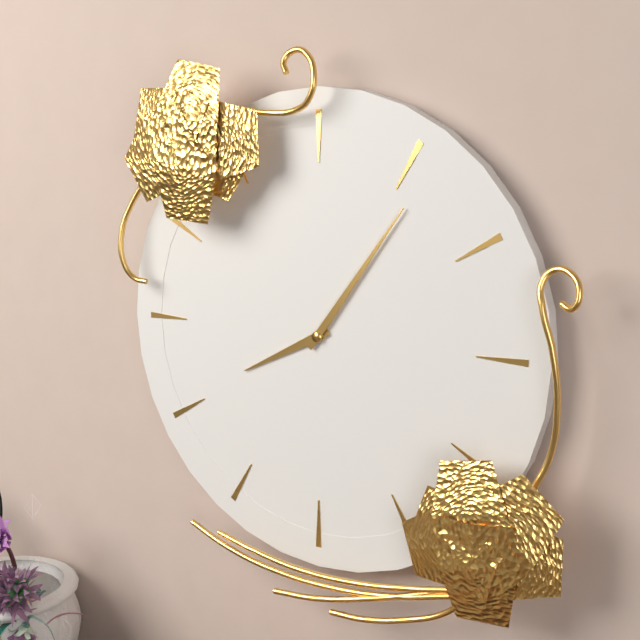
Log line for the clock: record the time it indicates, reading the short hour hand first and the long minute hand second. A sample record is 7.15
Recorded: 8.06
